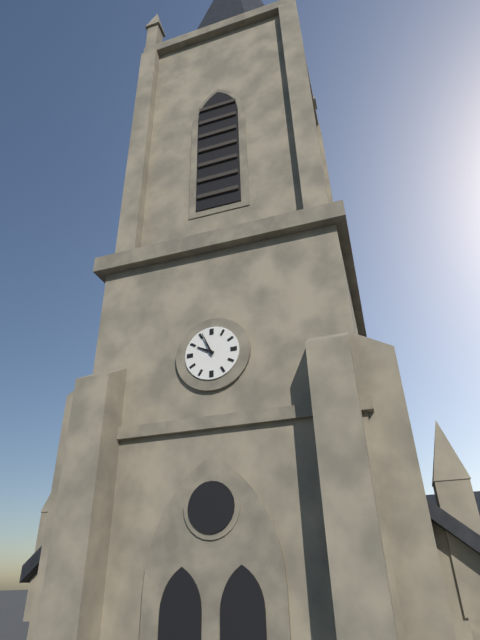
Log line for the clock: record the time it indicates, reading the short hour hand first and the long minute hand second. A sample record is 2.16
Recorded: 9.56
